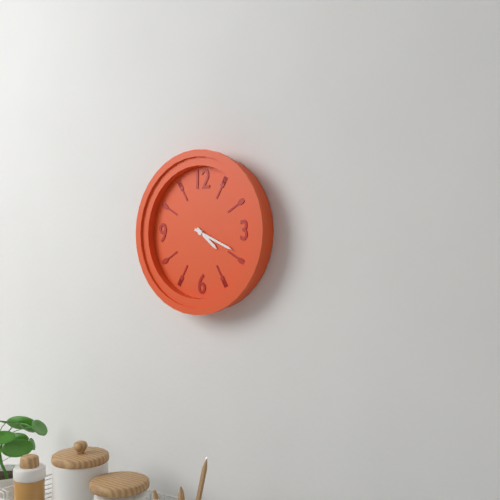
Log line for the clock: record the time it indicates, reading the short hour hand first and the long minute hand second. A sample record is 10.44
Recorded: 4.19
